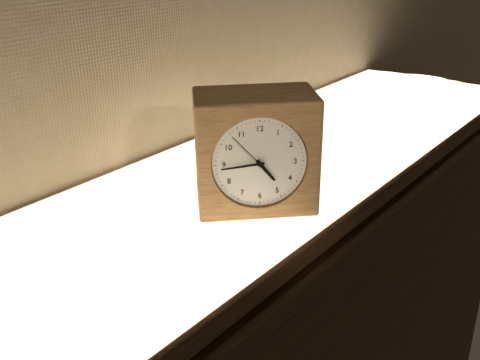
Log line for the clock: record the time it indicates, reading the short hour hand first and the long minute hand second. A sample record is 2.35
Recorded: 4.44
